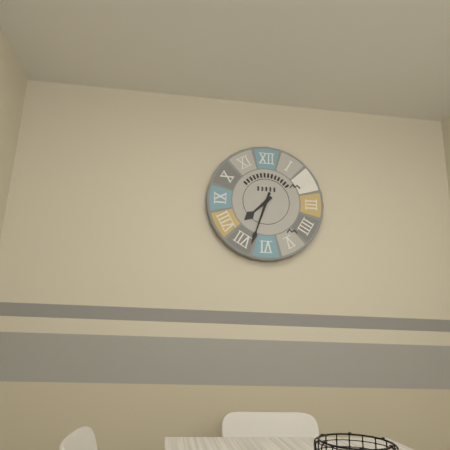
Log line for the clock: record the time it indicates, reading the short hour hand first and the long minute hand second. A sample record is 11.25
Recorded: 7.33
